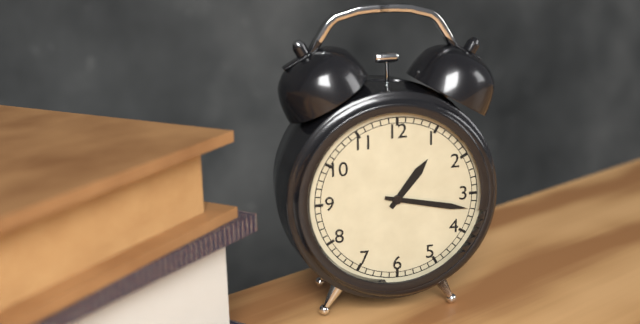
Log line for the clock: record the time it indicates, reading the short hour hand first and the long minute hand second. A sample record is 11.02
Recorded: 1.17
